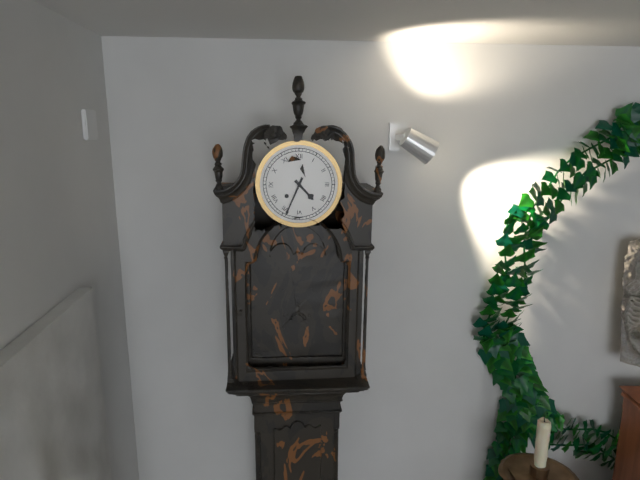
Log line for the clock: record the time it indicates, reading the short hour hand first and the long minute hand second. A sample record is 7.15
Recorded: 4.34
